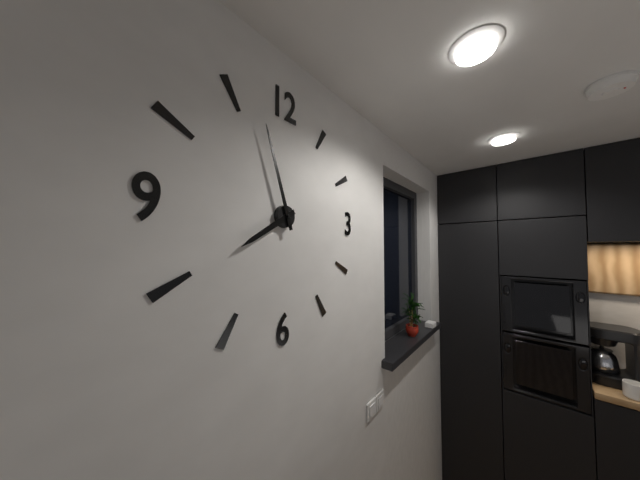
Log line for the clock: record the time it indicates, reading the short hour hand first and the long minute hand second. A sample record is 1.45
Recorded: 7.57
